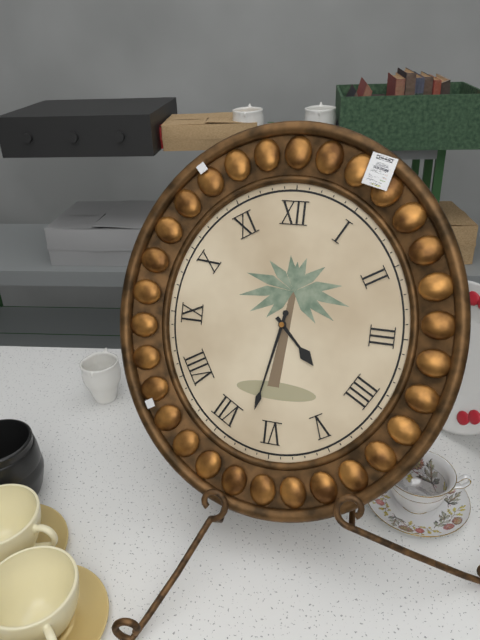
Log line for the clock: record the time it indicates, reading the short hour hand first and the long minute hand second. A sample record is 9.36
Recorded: 4.32
